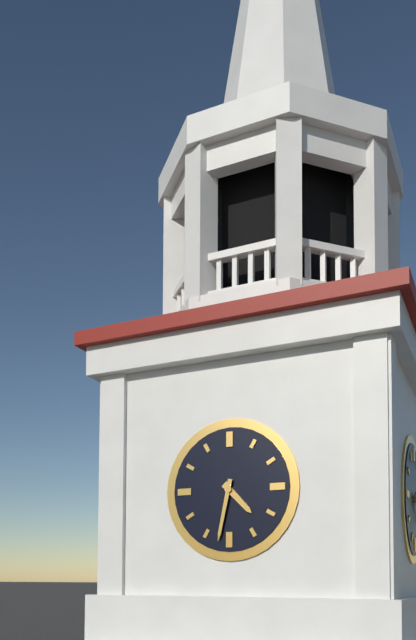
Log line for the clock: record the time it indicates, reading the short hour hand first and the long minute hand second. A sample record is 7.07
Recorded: 4.32
